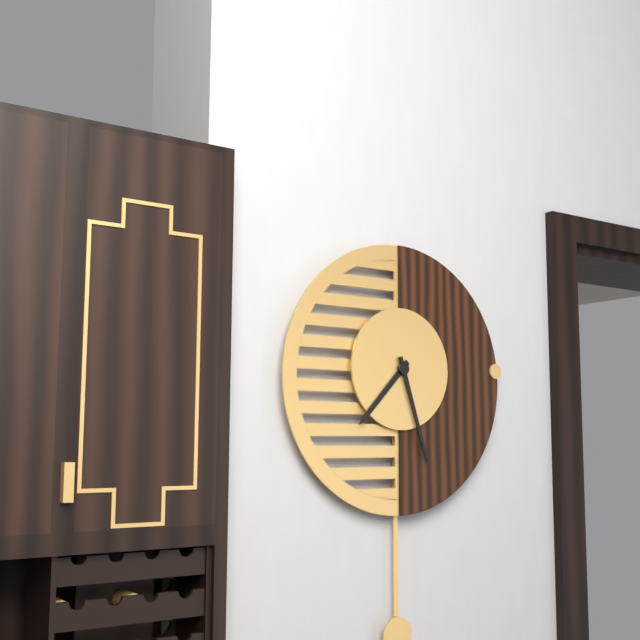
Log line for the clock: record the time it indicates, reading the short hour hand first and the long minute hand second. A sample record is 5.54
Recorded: 7.27
